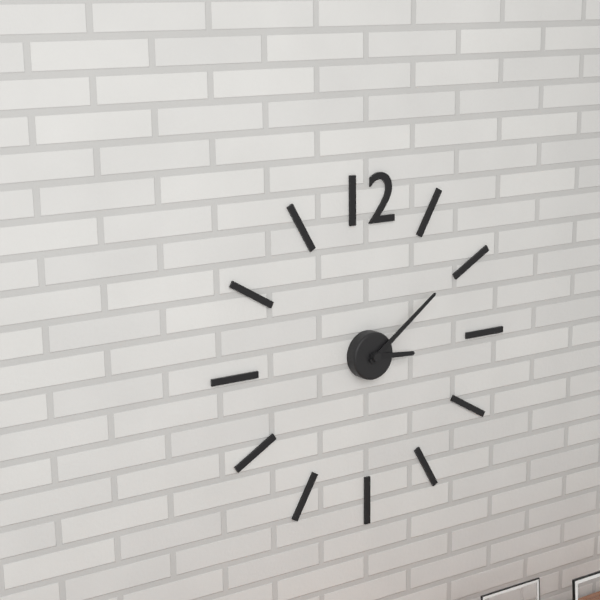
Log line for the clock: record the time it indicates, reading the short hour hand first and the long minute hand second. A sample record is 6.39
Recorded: 3.09
